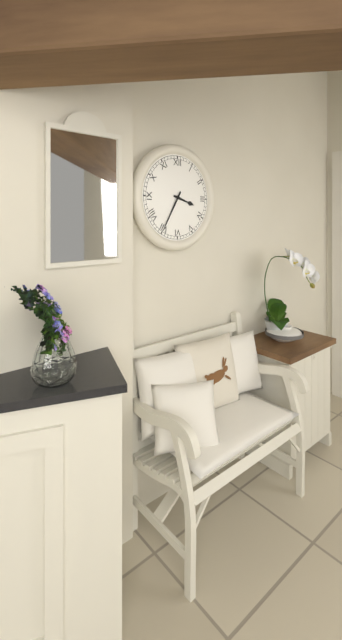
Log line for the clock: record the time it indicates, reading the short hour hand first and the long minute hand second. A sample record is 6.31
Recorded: 3.35
